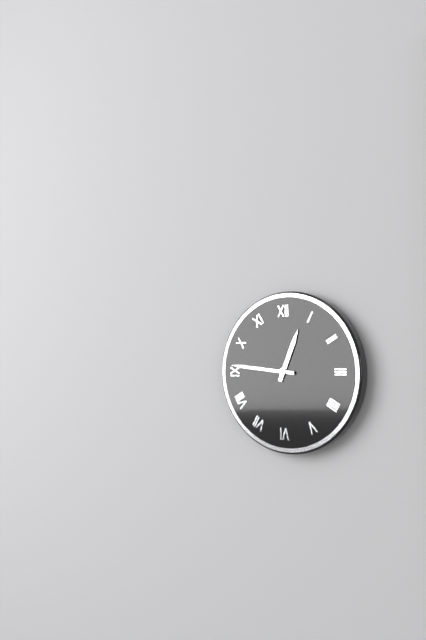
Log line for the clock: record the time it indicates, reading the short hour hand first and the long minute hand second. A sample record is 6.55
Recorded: 12.46
